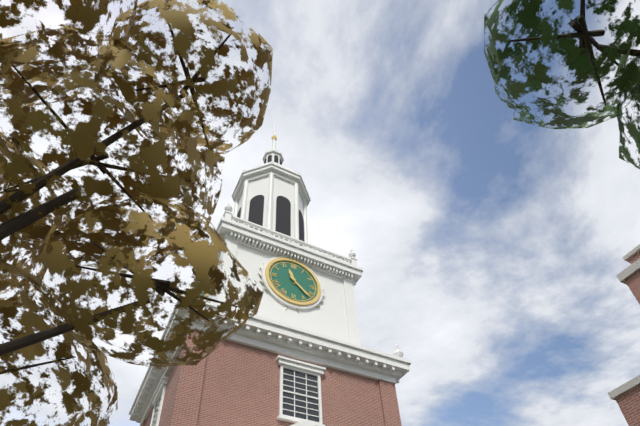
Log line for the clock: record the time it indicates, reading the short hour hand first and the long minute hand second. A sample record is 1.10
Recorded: 11.22
